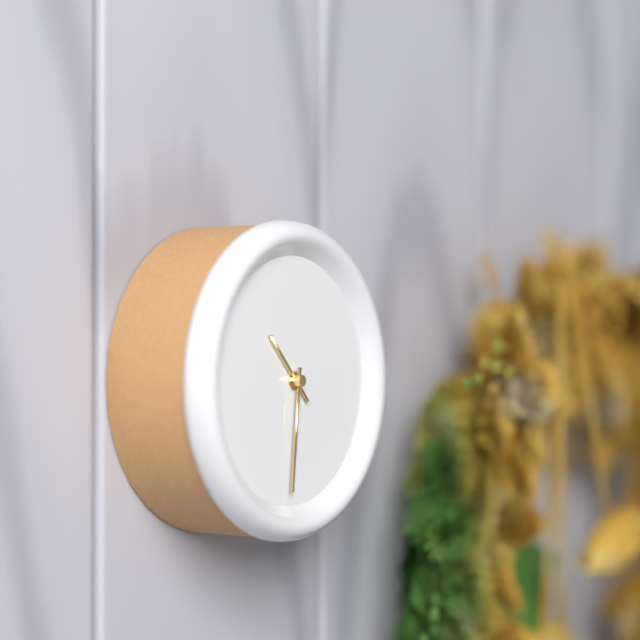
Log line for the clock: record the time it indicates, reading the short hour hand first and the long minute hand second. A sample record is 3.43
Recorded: 10.31
